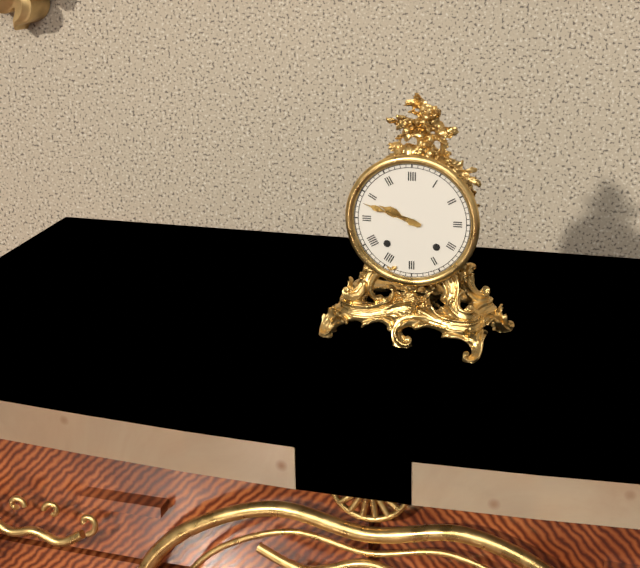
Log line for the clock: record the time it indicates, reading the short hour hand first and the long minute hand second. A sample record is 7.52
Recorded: 9.48
